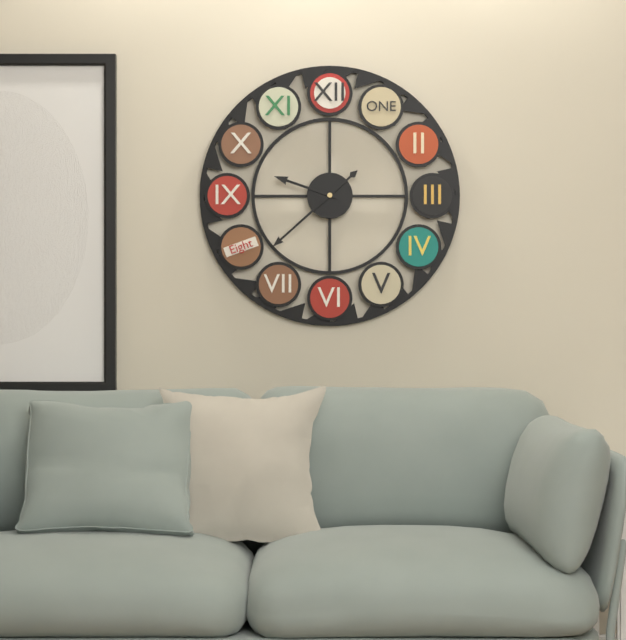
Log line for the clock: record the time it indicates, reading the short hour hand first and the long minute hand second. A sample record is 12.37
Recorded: 9.38
